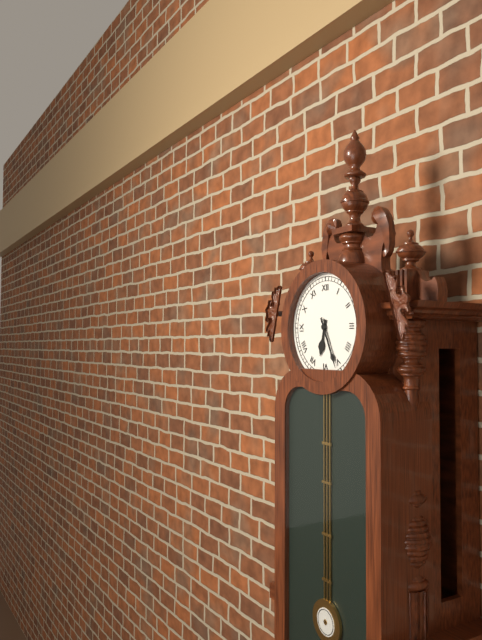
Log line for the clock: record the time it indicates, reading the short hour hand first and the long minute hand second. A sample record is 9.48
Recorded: 6.26
